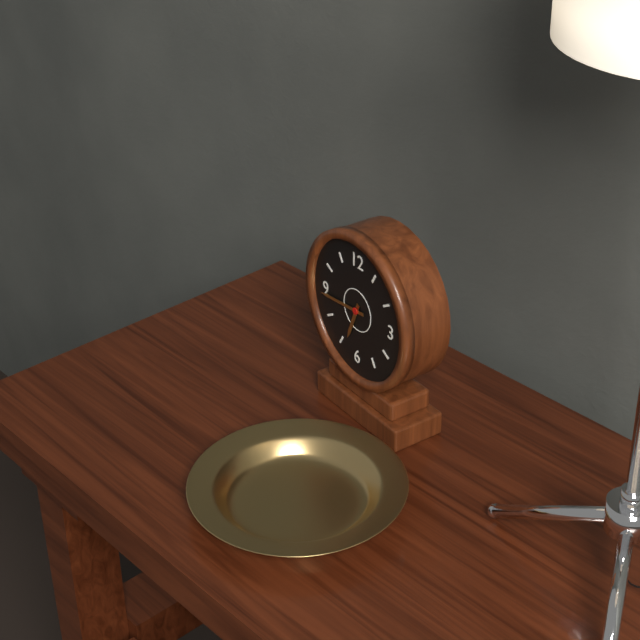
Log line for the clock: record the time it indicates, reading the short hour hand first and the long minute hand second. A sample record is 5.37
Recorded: 6.44
